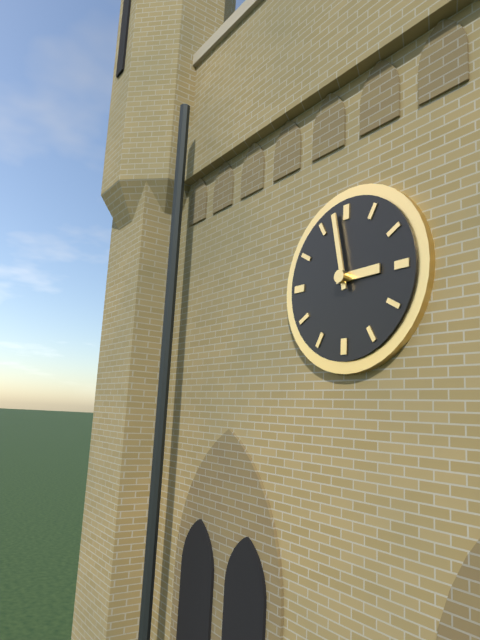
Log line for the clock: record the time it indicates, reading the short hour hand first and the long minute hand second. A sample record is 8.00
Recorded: 2.58
